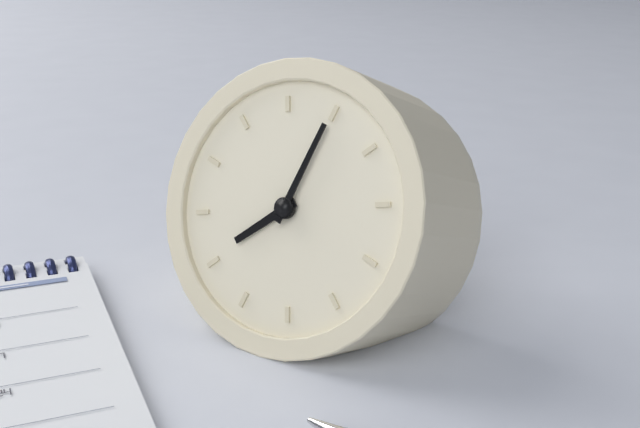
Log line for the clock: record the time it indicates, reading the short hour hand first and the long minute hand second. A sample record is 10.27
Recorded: 8.05
